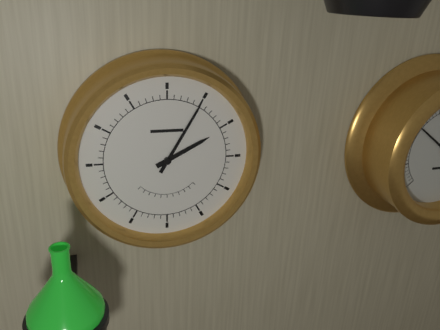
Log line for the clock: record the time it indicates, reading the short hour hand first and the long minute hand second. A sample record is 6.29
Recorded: 2.05
